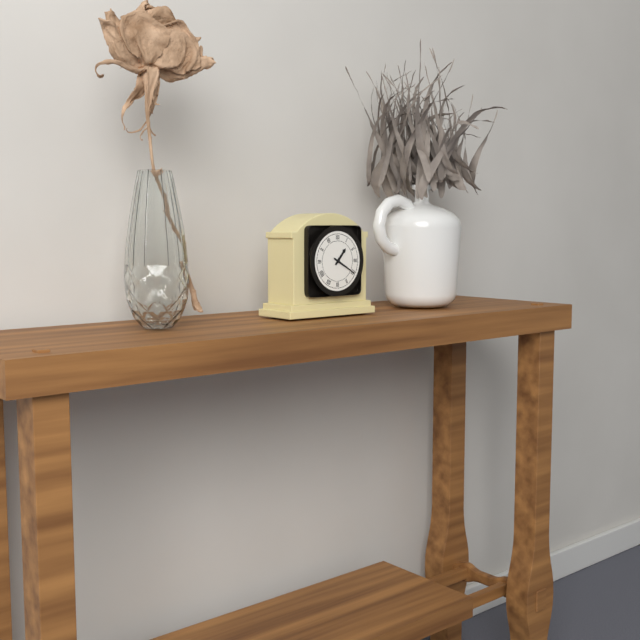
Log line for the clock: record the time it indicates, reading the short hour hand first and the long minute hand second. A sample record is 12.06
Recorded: 1.20
